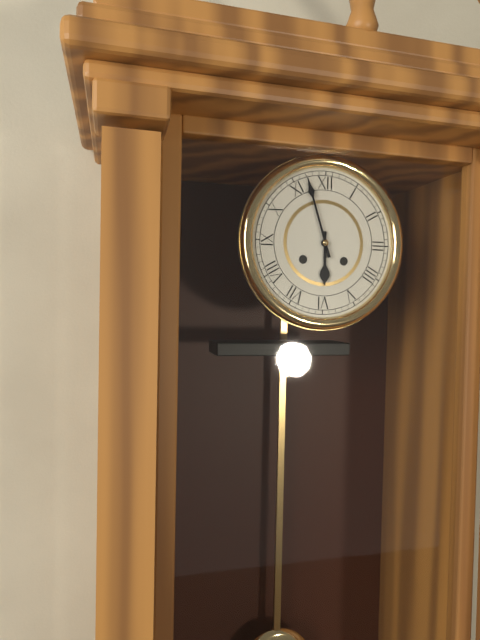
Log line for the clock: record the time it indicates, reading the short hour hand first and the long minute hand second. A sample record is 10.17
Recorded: 5.57
